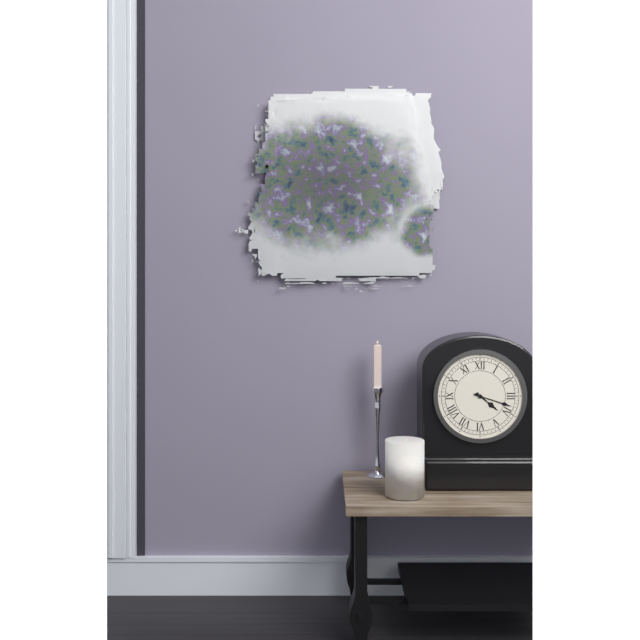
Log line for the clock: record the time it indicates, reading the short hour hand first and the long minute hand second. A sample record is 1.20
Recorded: 4.18
